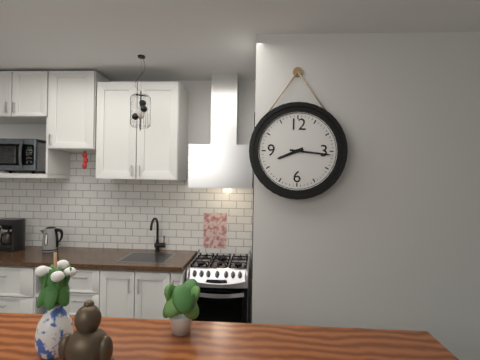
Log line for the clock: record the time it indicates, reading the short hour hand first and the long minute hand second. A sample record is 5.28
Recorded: 8.16
